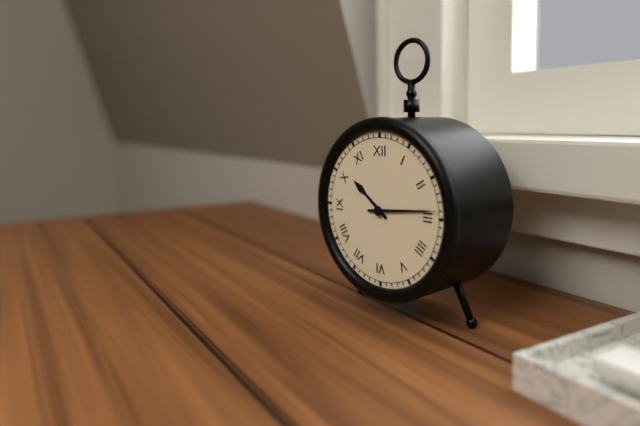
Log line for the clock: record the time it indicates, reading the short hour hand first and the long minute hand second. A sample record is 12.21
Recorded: 10.14
